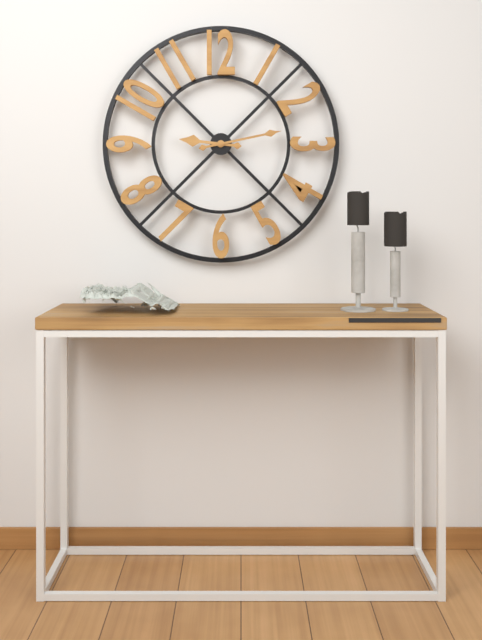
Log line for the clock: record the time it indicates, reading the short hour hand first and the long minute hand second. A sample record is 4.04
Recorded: 9.13
